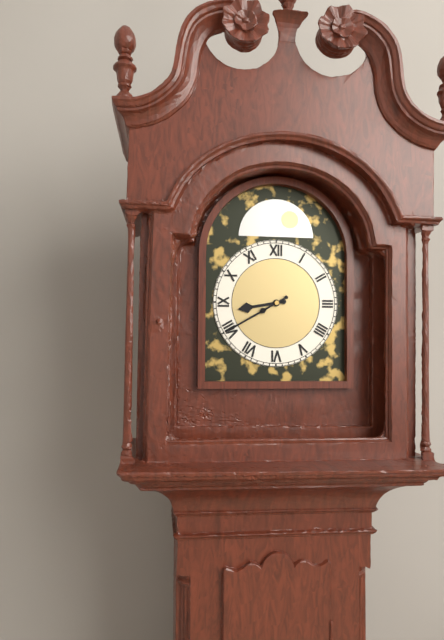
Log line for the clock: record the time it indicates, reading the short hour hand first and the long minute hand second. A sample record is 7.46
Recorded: 8.40
